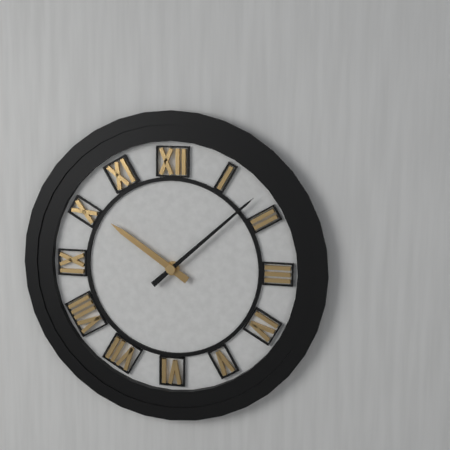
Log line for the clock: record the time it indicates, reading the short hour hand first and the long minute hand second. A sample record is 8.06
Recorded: 10.08
